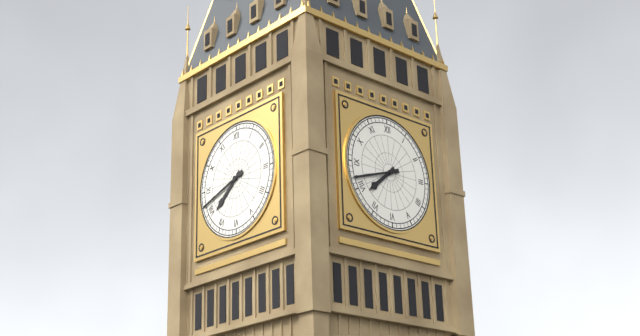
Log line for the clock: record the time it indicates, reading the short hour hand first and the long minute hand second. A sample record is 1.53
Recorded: 7.42
